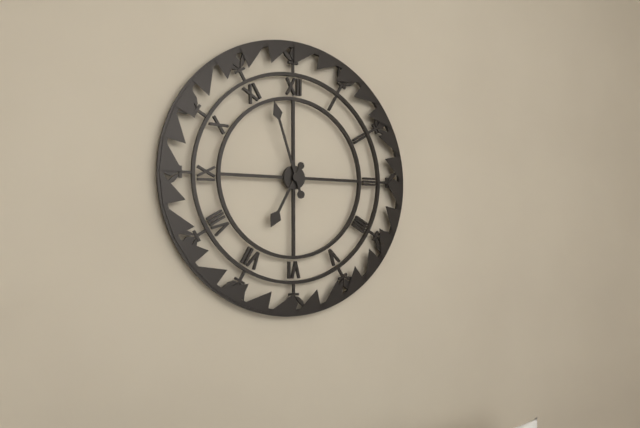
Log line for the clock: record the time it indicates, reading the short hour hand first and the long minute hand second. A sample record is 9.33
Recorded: 6.57
